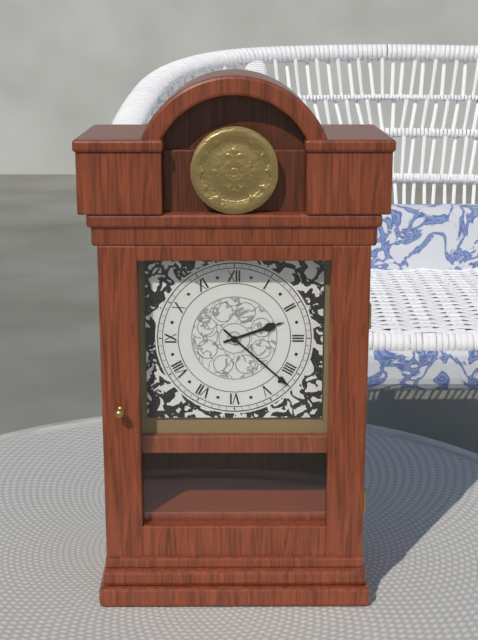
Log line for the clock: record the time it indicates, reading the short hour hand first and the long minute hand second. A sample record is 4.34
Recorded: 2.22
